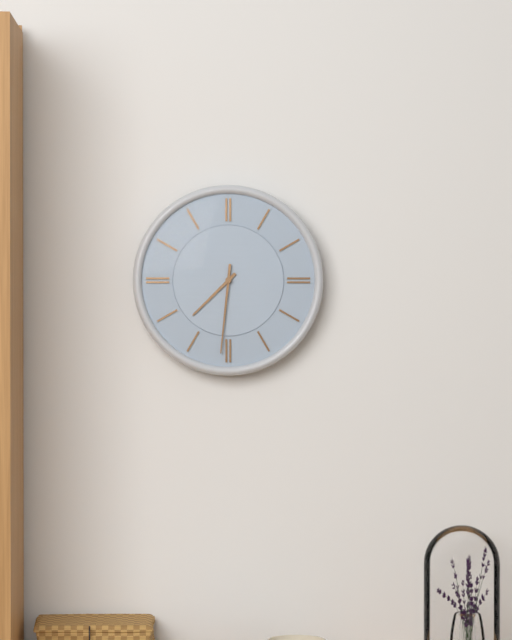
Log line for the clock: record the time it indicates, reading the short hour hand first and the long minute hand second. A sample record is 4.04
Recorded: 7.31
